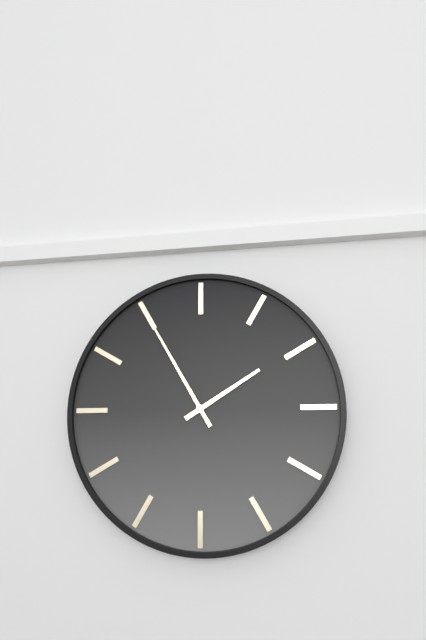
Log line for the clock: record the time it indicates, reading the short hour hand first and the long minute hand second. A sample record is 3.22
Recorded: 1.55
